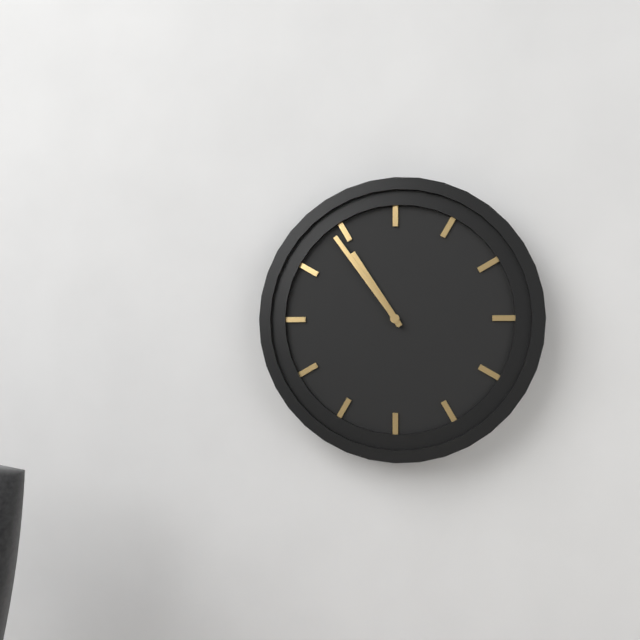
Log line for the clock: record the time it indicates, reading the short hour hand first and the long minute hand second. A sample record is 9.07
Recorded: 10.54
